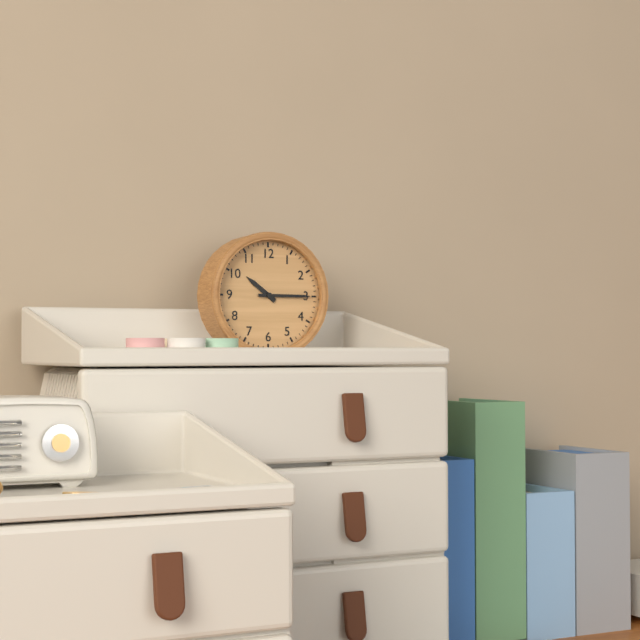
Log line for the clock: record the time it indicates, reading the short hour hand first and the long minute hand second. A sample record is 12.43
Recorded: 10.15
